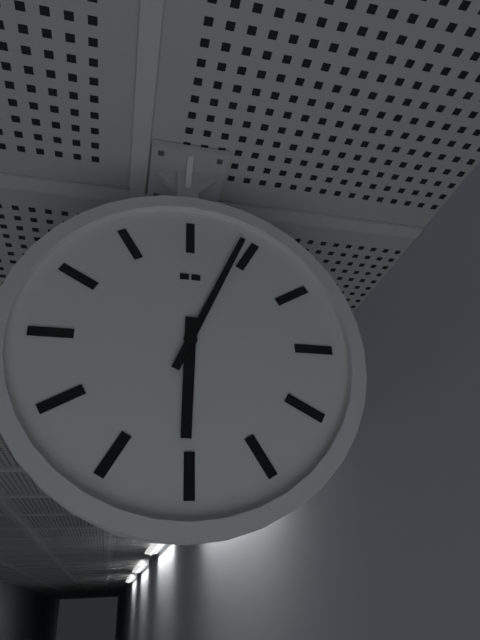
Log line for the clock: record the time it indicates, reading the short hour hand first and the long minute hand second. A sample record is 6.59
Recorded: 6.04
